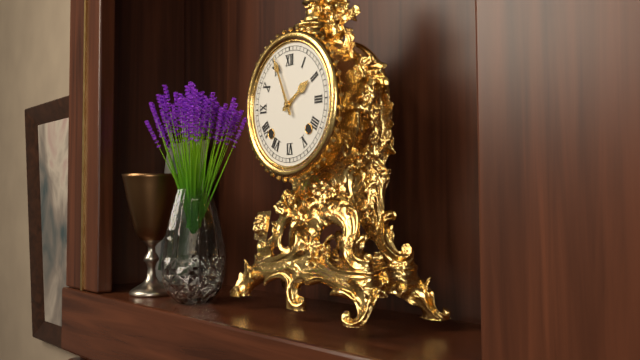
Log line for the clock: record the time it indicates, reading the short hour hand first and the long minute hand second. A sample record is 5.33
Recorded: 1.56
